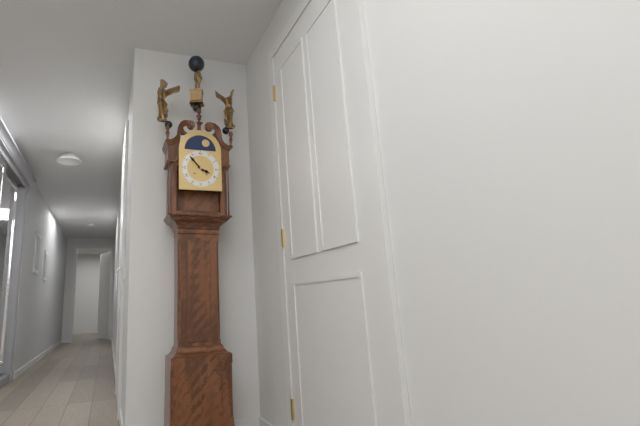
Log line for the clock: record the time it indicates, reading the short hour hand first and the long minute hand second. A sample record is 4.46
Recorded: 3.53
